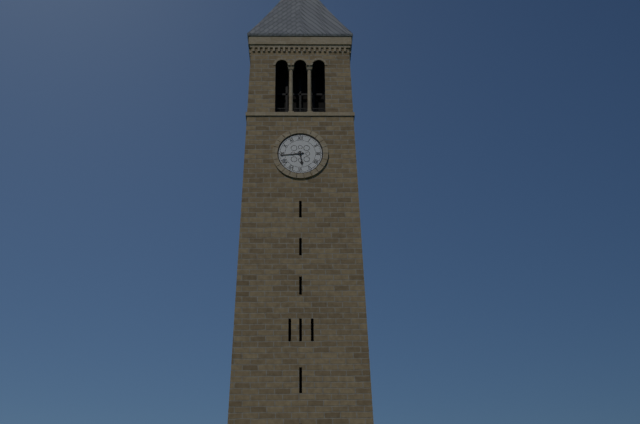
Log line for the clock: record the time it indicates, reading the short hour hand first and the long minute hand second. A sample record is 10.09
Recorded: 5.44
